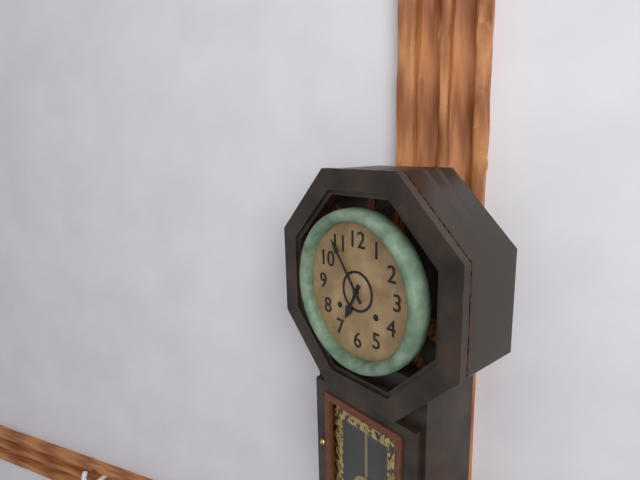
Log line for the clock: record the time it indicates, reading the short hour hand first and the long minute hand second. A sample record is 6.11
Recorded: 6.54
